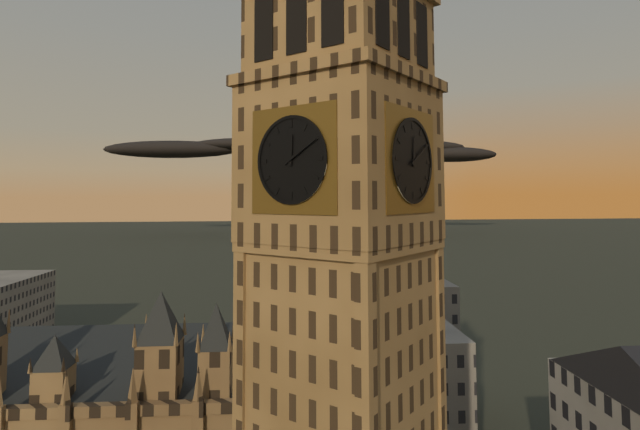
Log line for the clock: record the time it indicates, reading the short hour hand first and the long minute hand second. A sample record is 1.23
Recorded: 12.10
